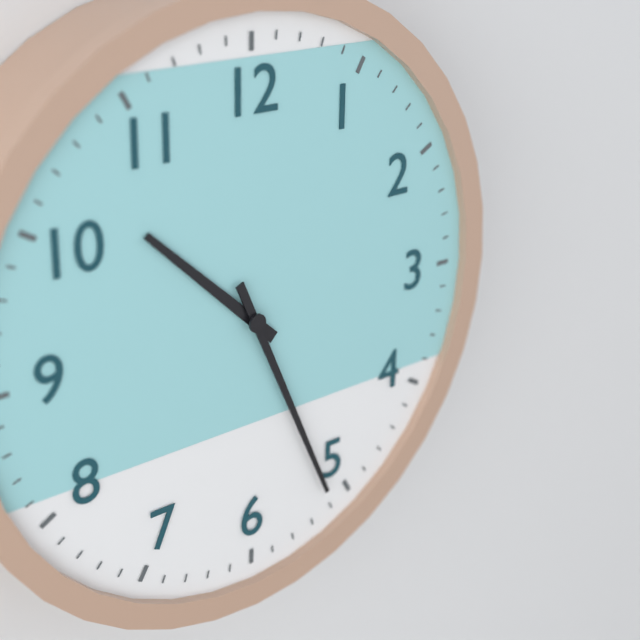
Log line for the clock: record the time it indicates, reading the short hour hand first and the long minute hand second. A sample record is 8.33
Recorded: 10.26
